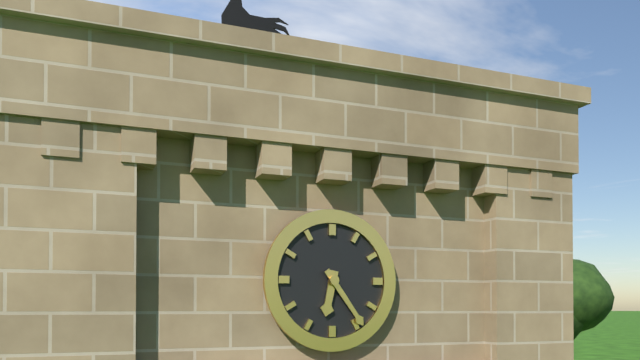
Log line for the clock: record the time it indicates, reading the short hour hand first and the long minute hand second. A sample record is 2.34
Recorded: 6.24
